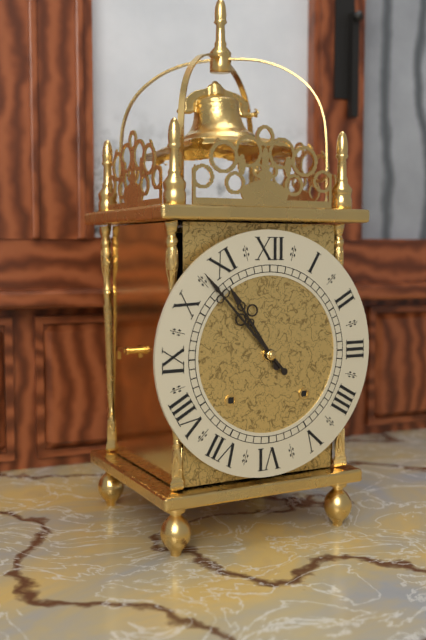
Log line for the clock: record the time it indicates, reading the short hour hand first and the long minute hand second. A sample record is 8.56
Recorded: 10.53
